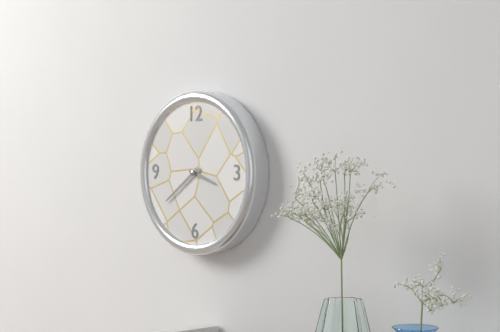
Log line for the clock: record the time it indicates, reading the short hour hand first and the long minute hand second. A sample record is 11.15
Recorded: 3.39
